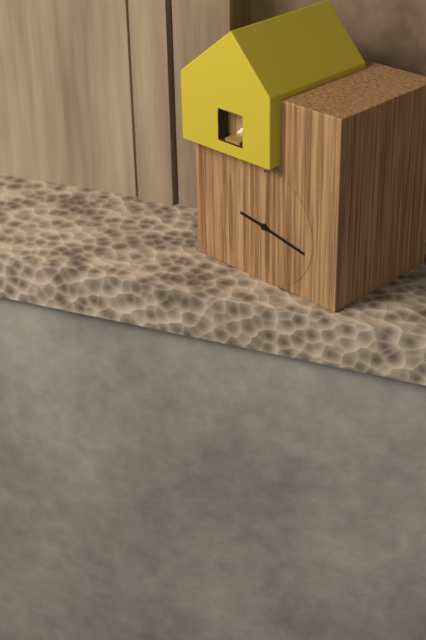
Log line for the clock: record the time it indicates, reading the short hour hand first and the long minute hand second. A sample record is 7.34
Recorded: 9.17
